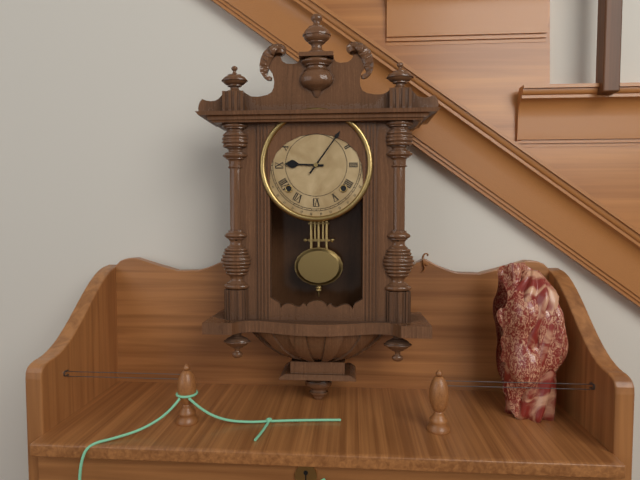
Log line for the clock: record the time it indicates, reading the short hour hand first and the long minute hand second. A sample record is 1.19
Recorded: 9.06
